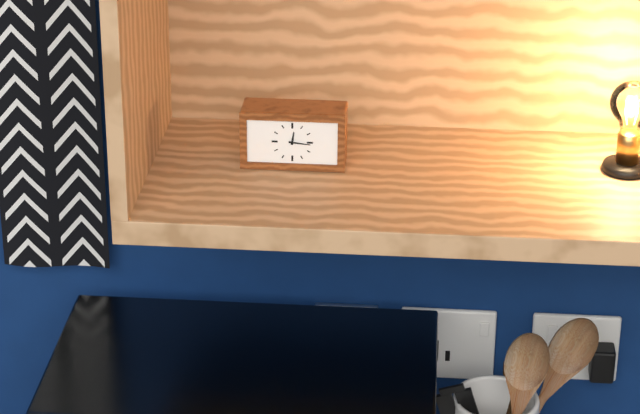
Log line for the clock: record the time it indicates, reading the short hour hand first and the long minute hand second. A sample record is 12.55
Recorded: 12.16
